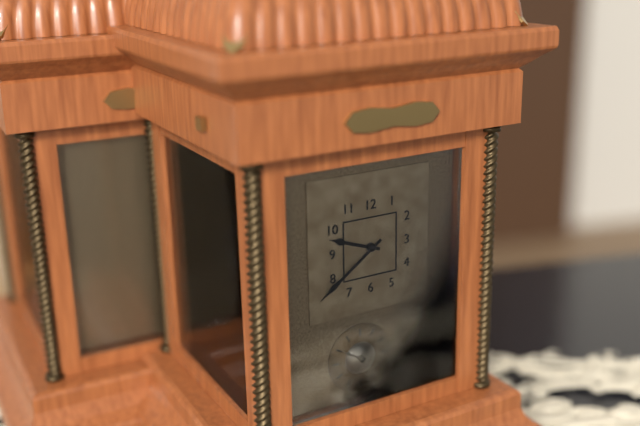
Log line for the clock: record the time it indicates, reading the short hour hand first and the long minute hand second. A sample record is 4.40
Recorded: 9.39
